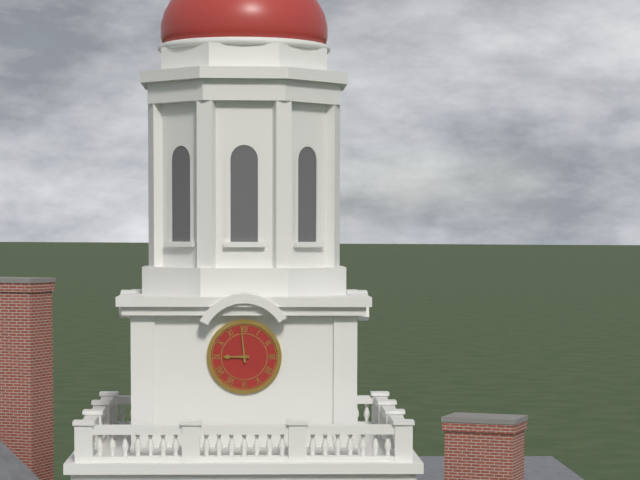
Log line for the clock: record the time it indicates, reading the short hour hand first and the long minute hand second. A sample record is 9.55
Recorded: 8.59
